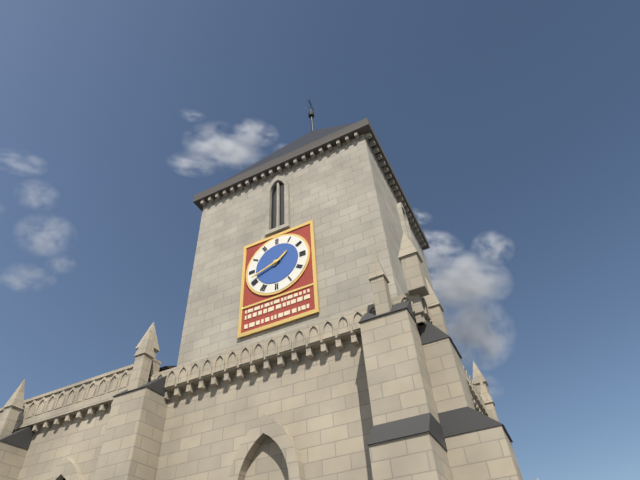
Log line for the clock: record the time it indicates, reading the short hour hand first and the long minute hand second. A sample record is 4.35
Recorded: 1.42
